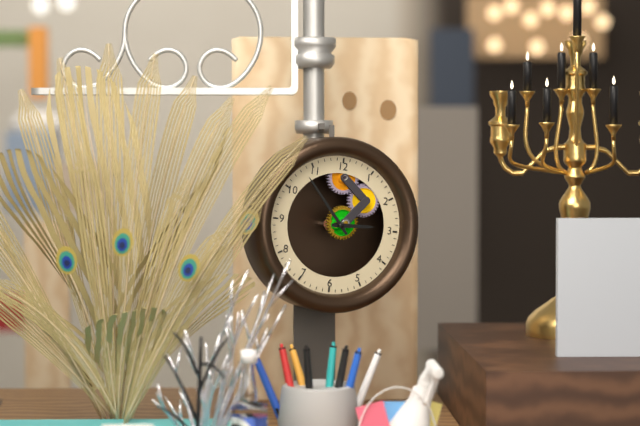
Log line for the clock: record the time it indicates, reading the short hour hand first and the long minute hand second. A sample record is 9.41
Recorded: 2.53
